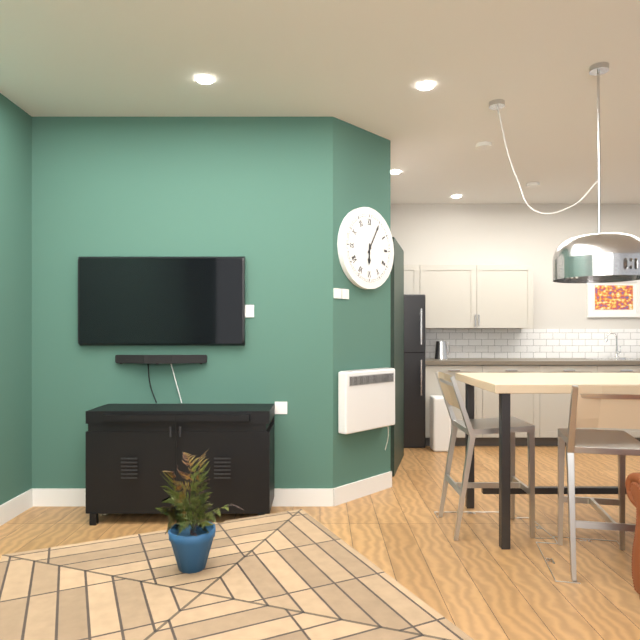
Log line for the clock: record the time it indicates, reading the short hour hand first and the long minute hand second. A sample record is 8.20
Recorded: 6.05
